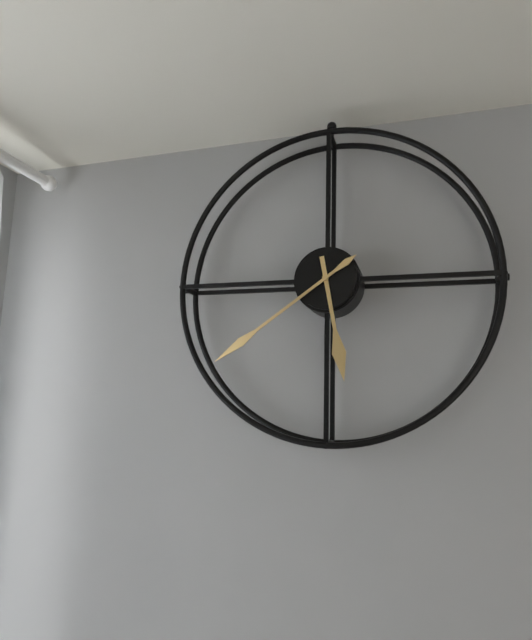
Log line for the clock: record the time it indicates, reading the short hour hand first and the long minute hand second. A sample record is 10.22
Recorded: 5.39
